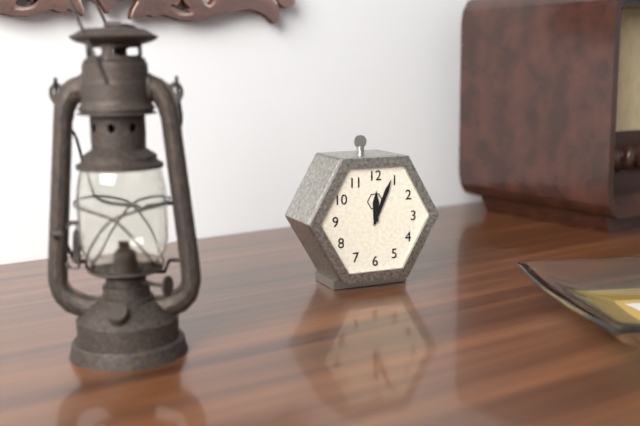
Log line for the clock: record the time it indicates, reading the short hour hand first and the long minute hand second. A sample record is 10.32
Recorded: 12.04
